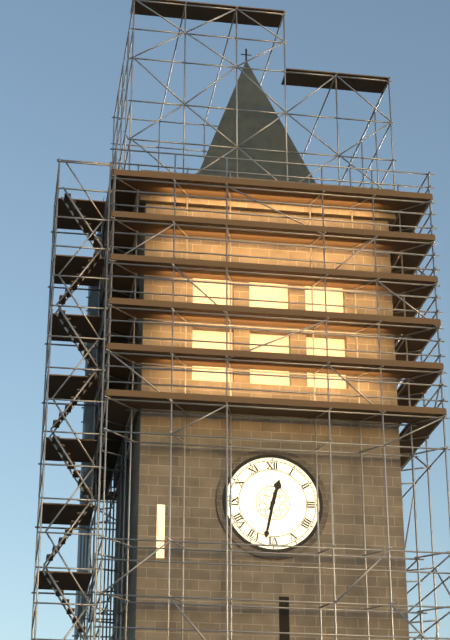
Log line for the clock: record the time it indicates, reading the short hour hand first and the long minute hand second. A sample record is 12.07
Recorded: 12.32
